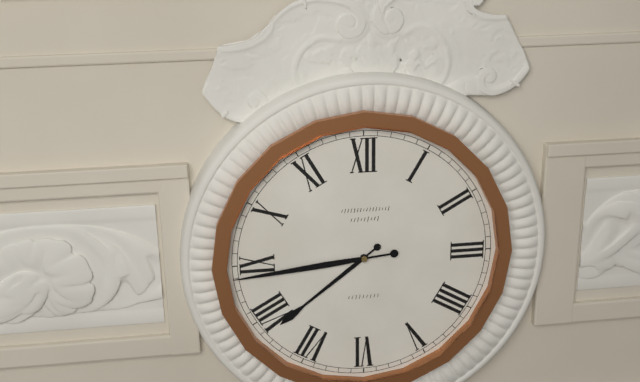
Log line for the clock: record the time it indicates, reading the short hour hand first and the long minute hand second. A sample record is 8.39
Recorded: 7.44
